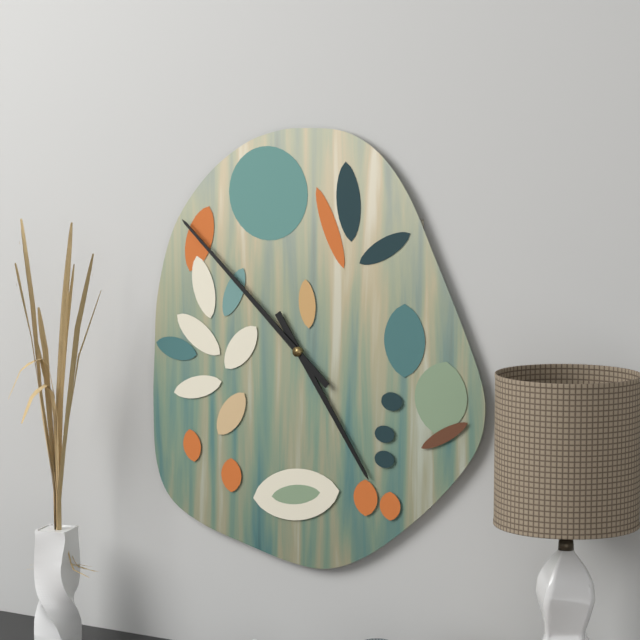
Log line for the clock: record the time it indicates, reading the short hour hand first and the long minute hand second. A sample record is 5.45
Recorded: 4.52
